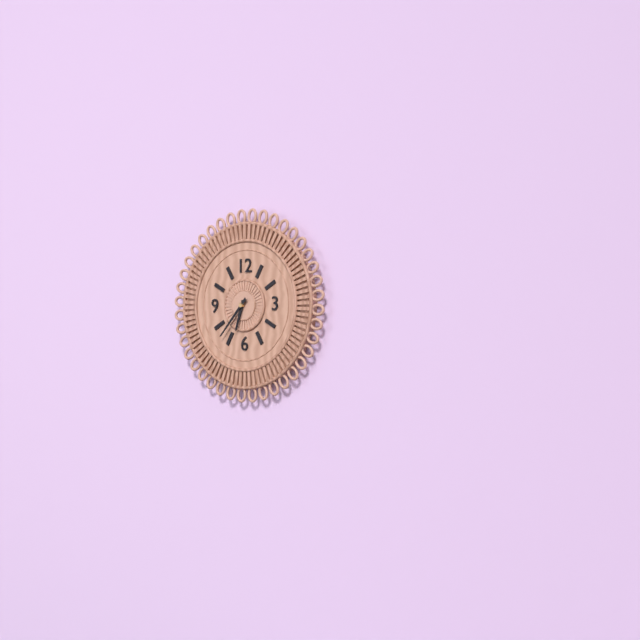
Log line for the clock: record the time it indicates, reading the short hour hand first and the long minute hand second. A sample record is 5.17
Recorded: 6.37
